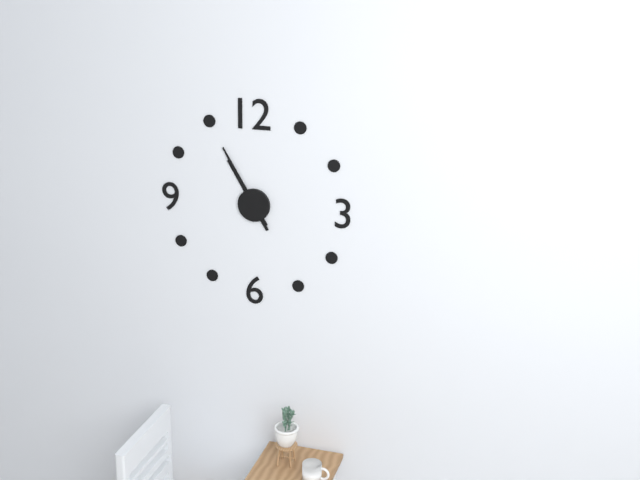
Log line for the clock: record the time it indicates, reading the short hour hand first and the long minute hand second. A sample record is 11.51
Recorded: 10.55
